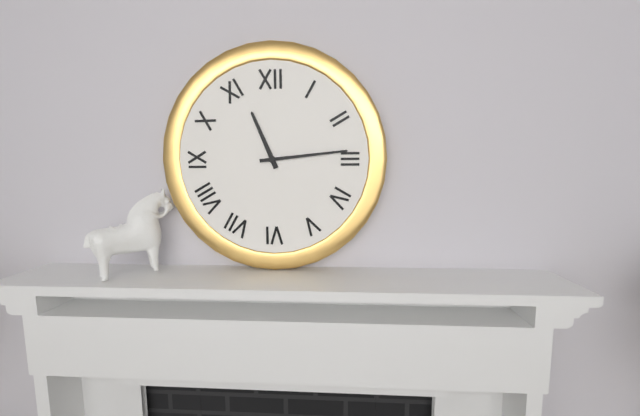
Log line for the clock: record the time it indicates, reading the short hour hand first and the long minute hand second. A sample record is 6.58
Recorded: 11.14
